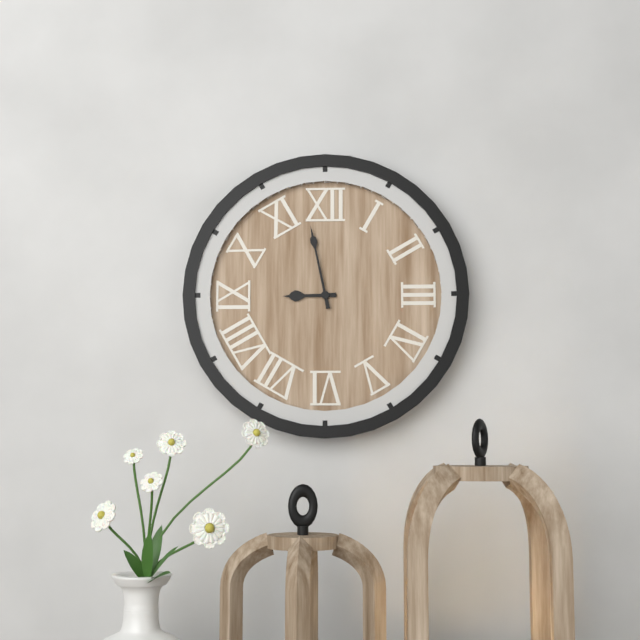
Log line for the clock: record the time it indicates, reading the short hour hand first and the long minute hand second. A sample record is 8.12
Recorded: 8.58
